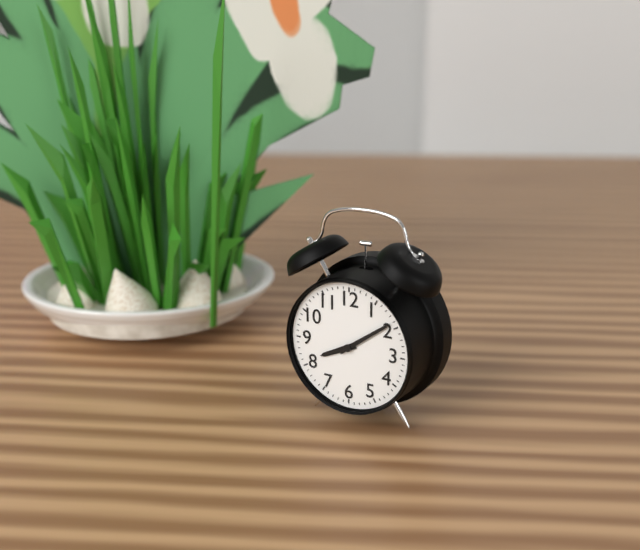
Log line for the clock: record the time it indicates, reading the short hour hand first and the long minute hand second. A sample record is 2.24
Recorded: 8.09
